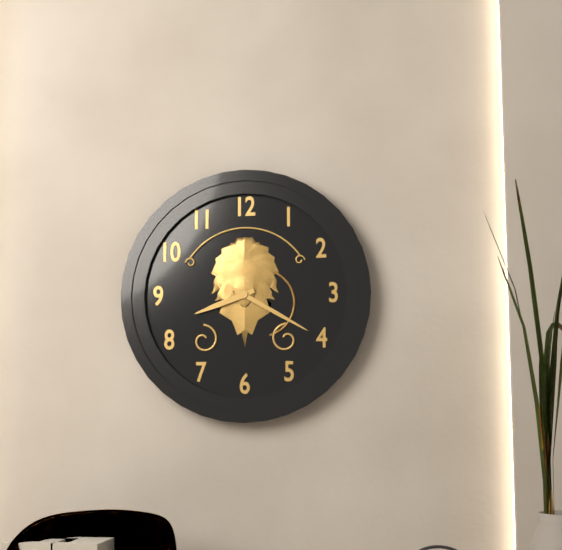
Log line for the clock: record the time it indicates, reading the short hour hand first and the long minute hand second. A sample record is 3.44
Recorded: 8.20
